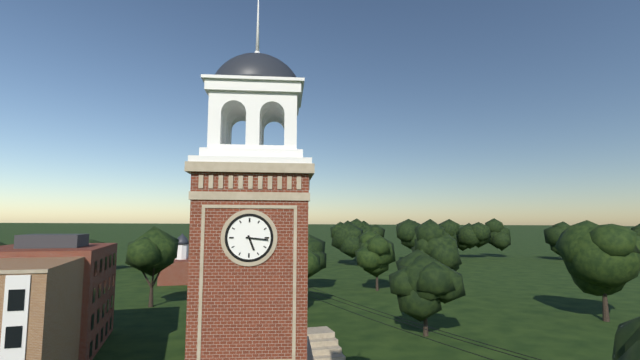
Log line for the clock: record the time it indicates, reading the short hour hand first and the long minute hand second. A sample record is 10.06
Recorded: 5.16
